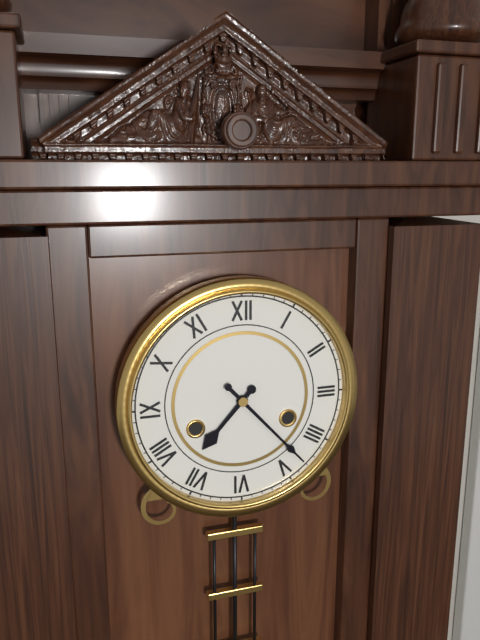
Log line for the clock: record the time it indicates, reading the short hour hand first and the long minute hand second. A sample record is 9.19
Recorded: 7.23
